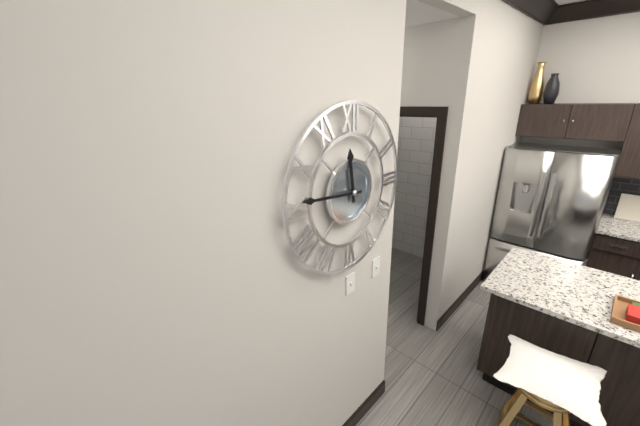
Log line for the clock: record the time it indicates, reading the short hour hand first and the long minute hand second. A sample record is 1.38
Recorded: 11.46
